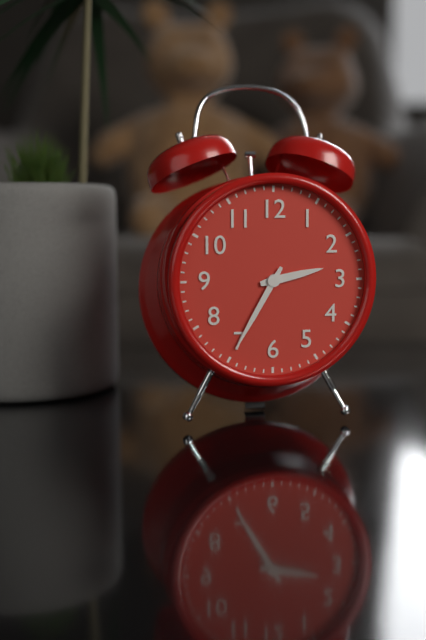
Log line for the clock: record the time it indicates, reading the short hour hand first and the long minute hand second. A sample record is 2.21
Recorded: 2.35
